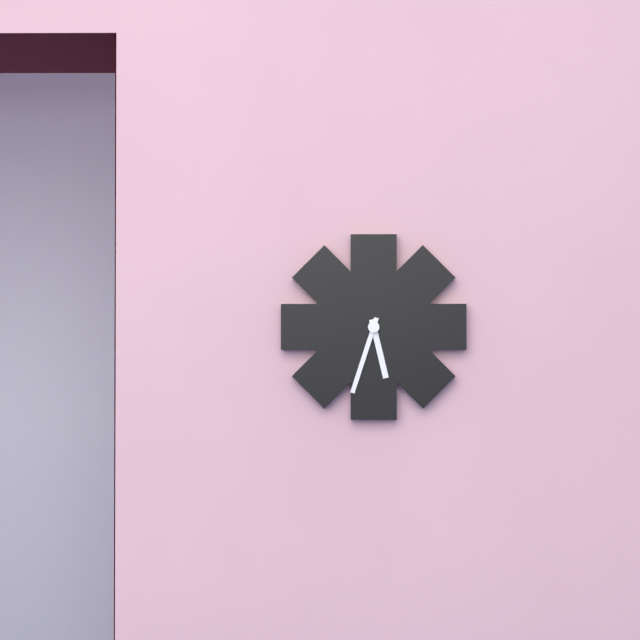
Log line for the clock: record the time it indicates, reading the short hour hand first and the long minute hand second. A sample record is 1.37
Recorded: 5.33
